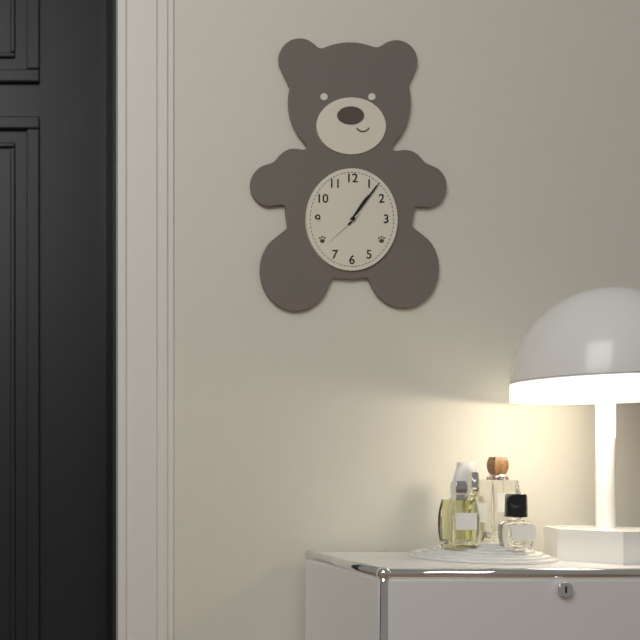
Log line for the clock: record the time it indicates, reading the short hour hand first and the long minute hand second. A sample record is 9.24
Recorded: 1.06
